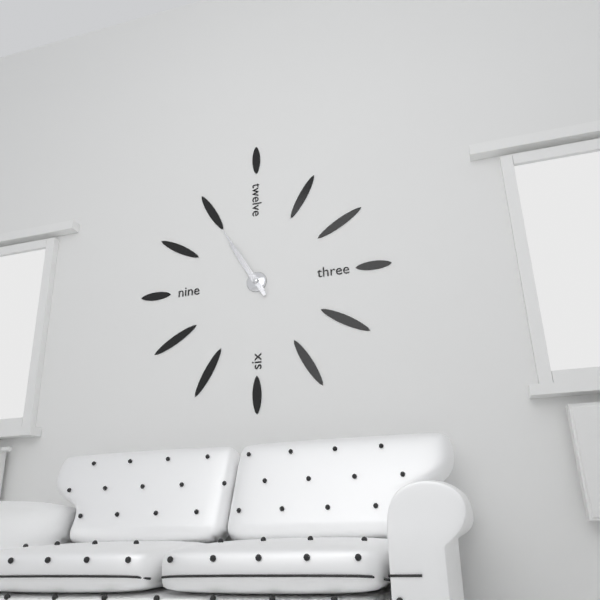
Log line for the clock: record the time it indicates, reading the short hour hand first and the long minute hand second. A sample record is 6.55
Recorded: 10.55
